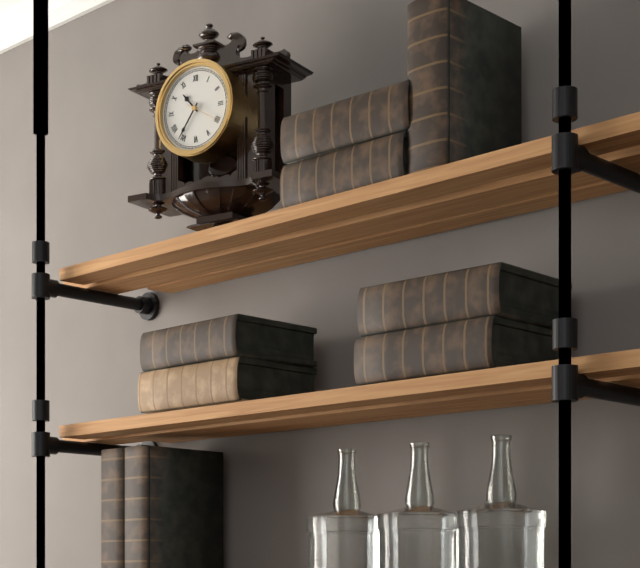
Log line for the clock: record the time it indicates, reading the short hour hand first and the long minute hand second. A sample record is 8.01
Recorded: 10.36
